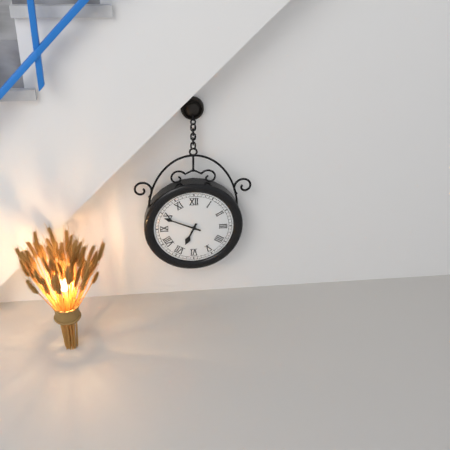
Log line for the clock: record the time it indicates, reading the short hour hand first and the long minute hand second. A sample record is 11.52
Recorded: 6.49
